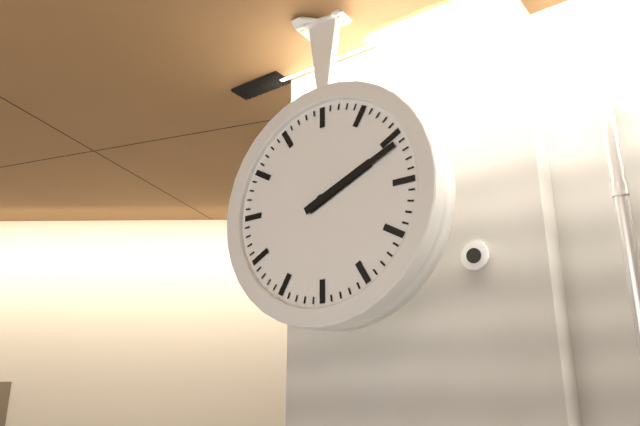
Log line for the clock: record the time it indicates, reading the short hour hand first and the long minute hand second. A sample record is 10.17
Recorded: 2.11
